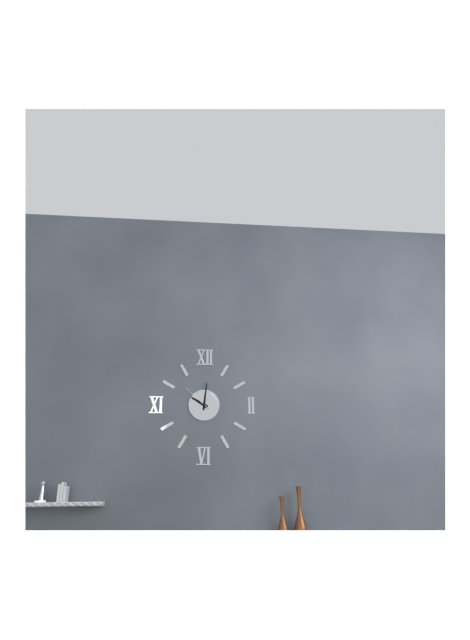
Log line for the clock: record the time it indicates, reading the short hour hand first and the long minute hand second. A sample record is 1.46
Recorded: 10.01
